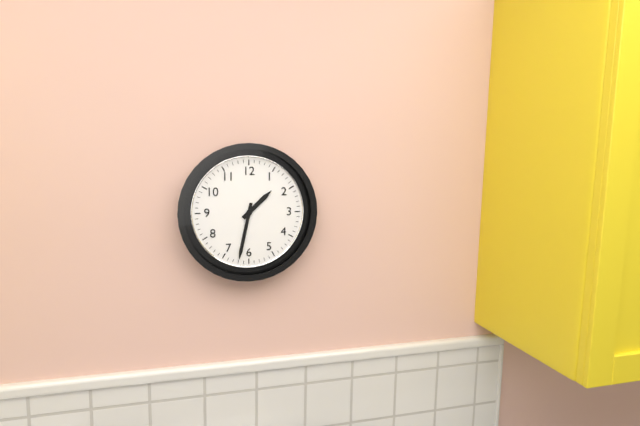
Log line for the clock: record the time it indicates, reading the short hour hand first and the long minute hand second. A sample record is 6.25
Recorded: 1.32
